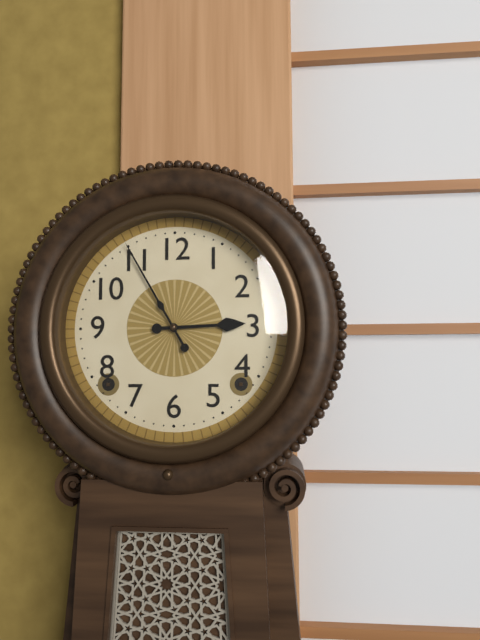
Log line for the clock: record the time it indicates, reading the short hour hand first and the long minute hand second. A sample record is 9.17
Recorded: 2.55
